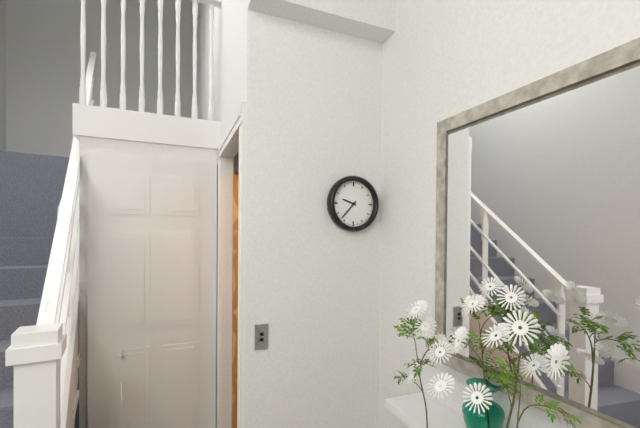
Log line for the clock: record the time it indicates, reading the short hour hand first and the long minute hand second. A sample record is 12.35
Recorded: 9.37
